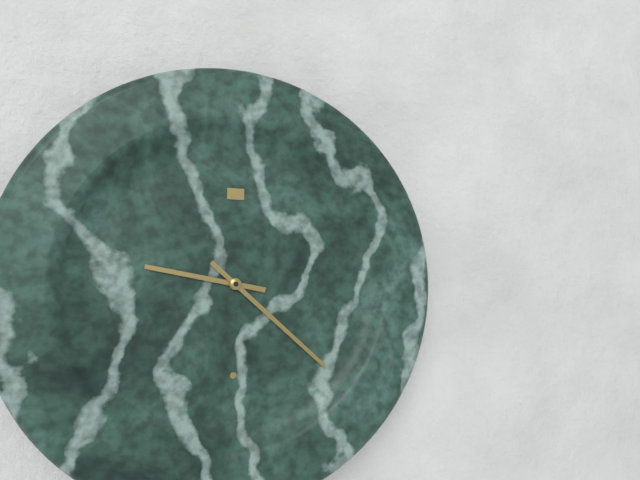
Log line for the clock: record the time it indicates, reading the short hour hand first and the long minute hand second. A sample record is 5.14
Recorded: 9.22
